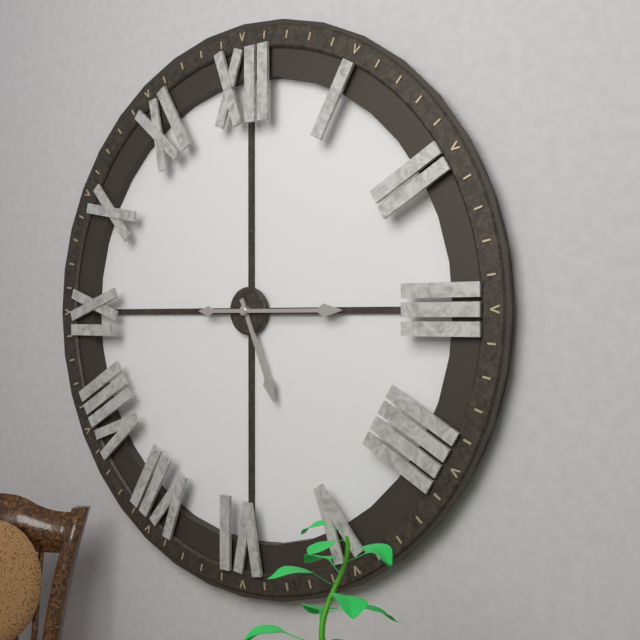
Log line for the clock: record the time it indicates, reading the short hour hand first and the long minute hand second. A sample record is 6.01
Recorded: 5.15
